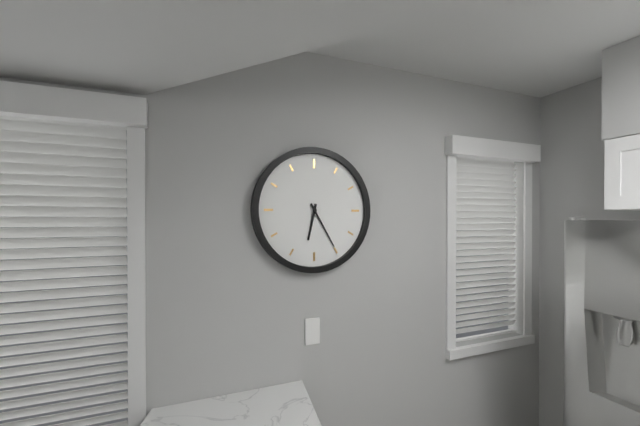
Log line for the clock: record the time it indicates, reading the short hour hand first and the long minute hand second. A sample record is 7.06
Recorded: 6.25
